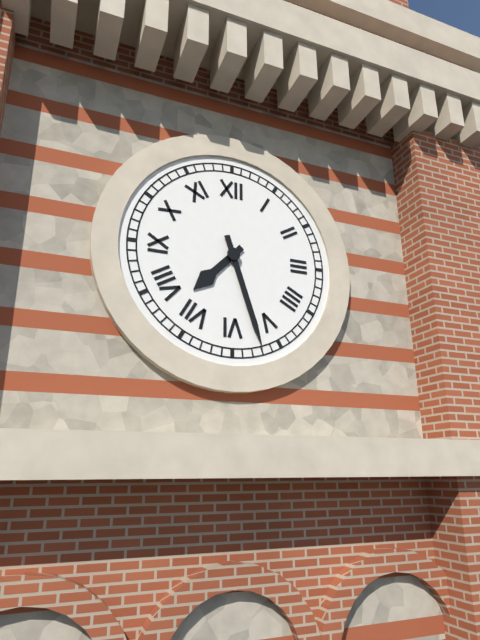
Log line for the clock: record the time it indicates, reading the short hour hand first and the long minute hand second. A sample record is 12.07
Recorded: 7.27
